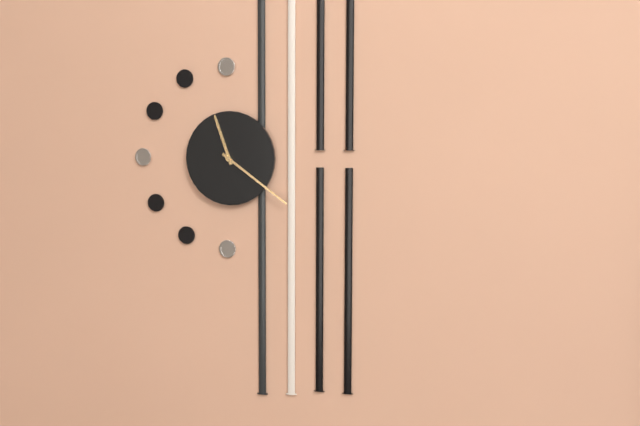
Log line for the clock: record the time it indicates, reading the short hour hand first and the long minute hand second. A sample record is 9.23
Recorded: 11.21
